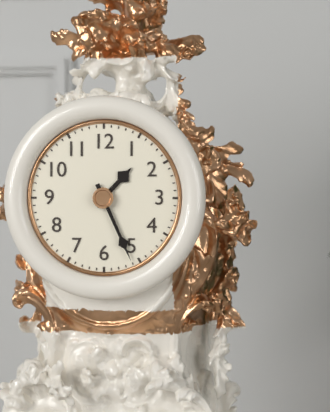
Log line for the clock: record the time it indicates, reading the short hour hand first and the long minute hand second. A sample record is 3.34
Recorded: 1.26
